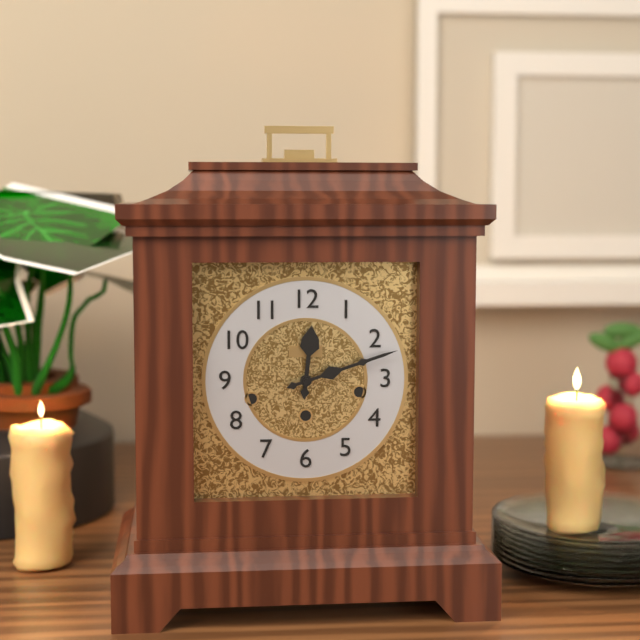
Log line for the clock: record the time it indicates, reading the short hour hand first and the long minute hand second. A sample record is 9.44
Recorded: 12.12
